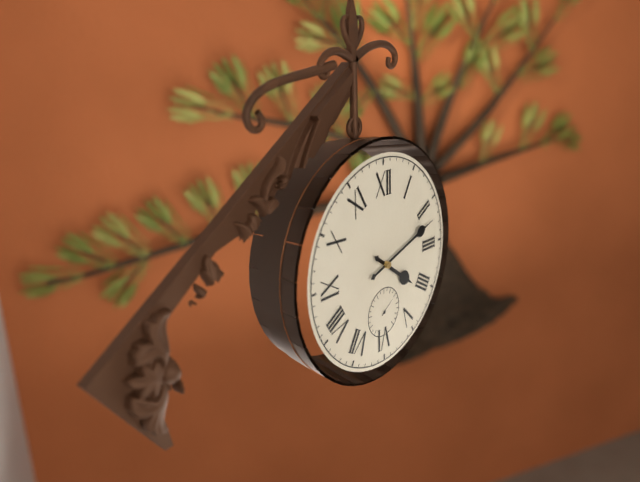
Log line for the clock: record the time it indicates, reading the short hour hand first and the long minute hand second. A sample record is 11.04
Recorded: 4.12
